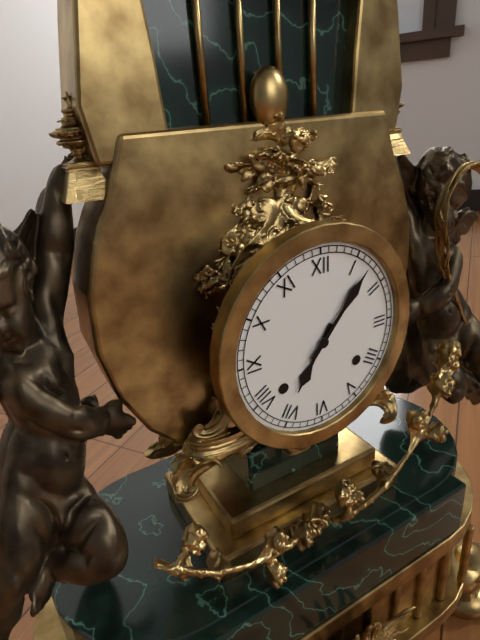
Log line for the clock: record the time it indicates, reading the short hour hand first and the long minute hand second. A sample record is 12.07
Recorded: 7.07
